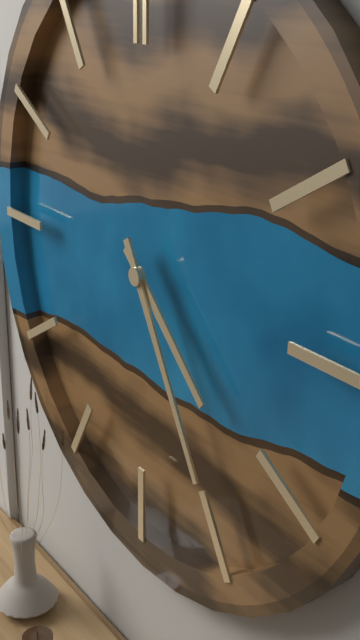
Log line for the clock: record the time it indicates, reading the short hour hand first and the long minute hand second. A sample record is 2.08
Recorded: 4.25
